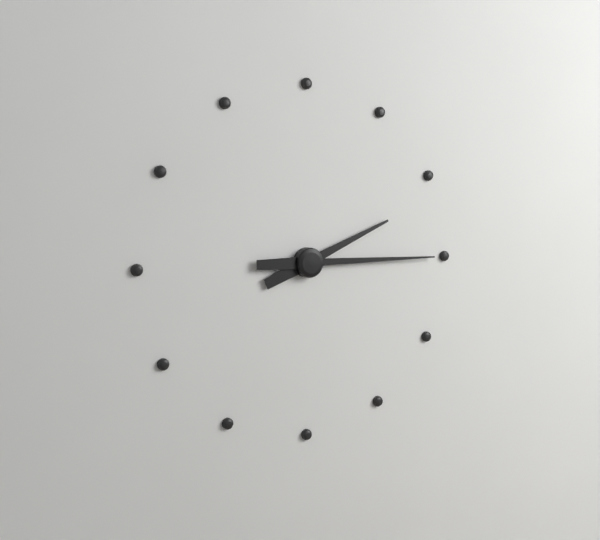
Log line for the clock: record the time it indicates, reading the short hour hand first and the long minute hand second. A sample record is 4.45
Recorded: 2.15
